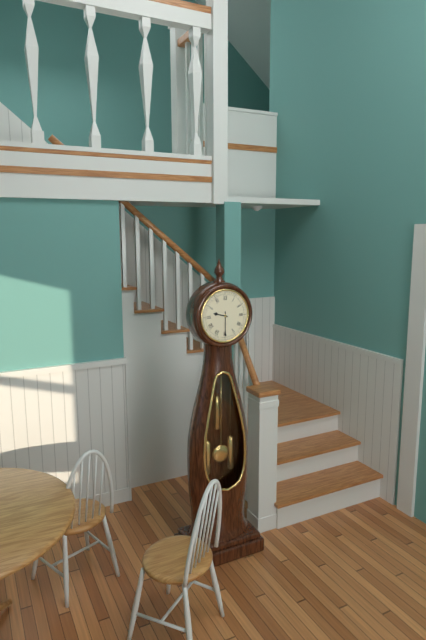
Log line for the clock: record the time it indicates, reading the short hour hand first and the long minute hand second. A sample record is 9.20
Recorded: 9.30
